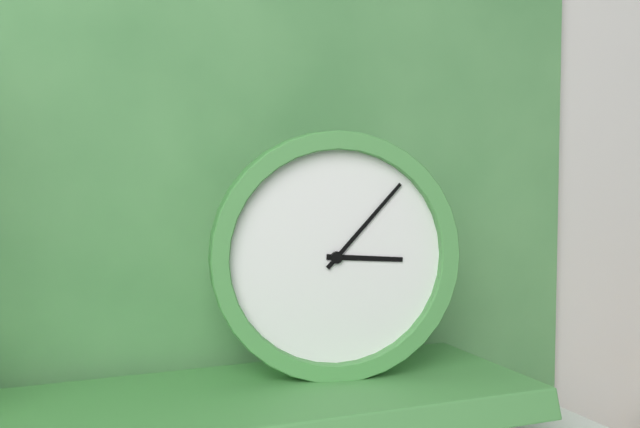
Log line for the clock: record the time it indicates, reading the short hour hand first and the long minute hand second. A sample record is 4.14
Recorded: 3.07
